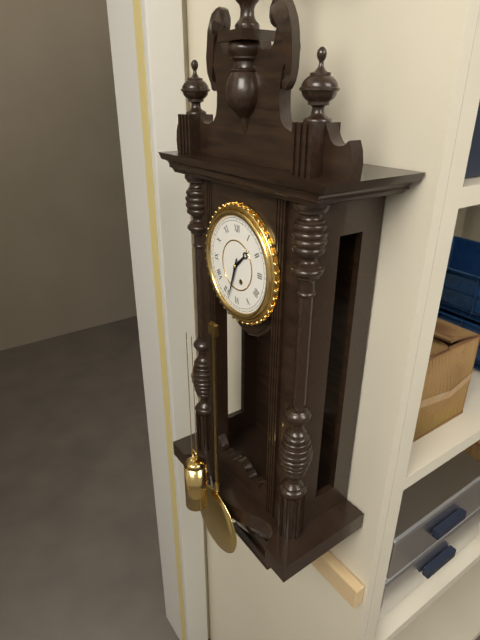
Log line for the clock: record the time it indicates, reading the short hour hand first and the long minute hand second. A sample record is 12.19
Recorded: 1.33
